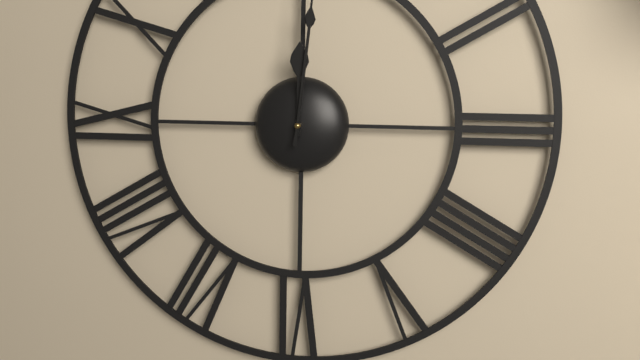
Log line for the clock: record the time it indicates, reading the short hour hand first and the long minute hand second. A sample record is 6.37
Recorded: 12.01
